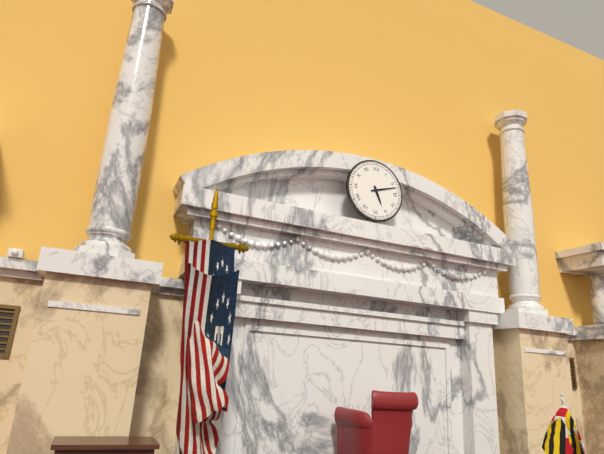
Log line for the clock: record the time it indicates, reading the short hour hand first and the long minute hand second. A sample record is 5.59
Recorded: 5.12
